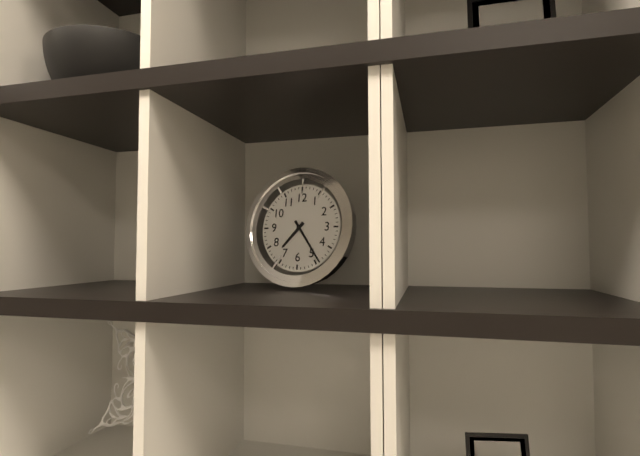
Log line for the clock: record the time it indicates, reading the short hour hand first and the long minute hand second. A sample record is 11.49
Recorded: 7.24
